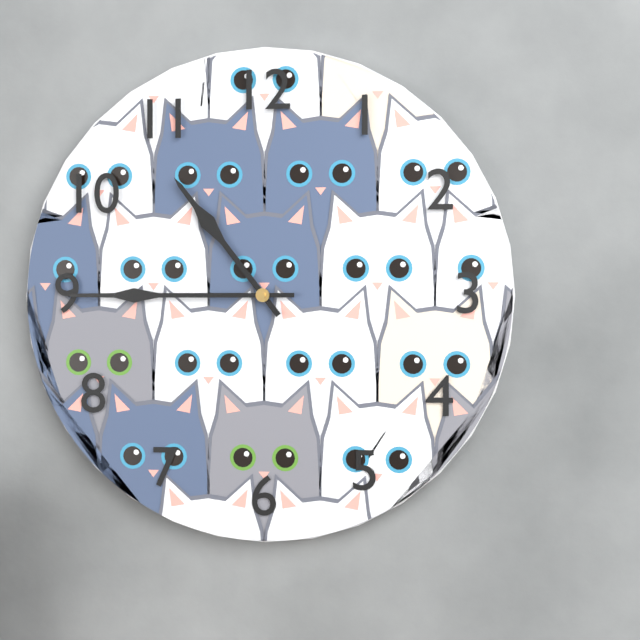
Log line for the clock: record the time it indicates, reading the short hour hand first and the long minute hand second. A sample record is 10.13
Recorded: 10.45
